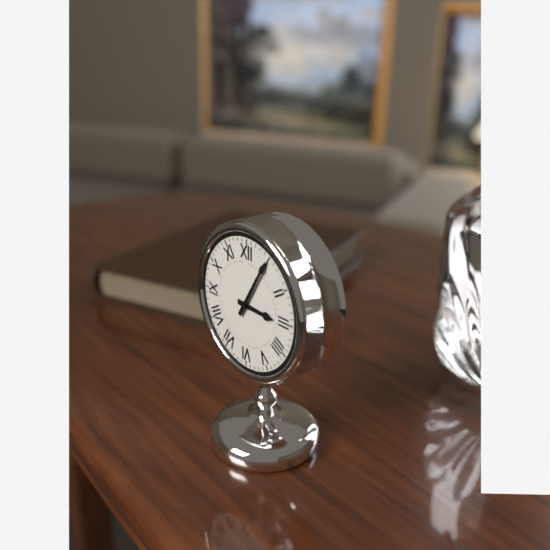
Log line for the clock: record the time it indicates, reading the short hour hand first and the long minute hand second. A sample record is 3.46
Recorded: 3.05
